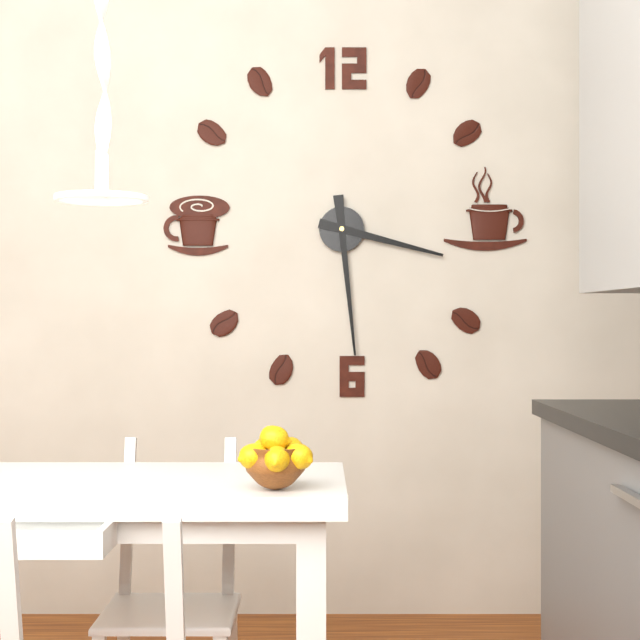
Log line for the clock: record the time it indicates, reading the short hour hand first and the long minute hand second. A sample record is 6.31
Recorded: 3.29
